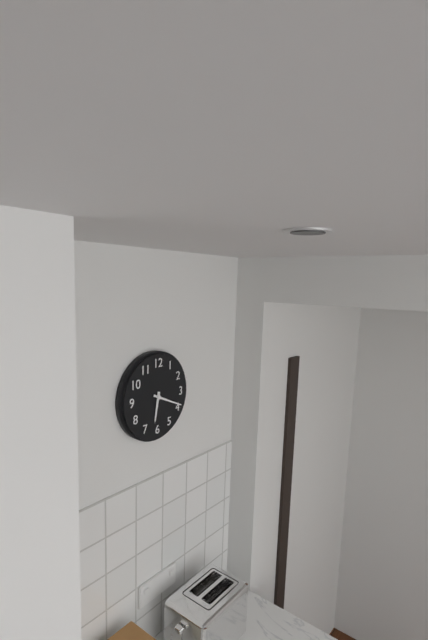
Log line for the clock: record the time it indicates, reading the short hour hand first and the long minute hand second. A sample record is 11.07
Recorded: 6.19
